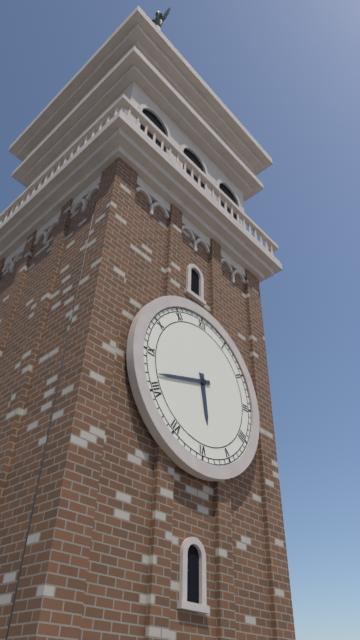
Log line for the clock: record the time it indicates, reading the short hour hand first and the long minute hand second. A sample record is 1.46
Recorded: 5.42
